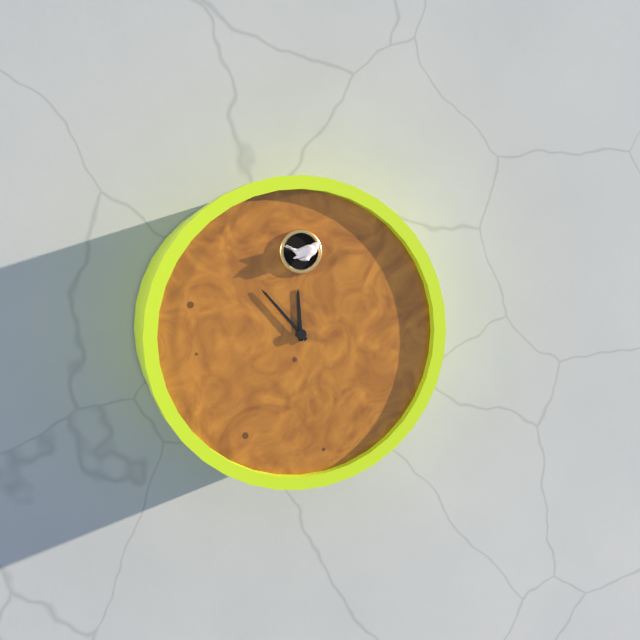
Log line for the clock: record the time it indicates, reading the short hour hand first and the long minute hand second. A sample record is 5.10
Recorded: 11.53
